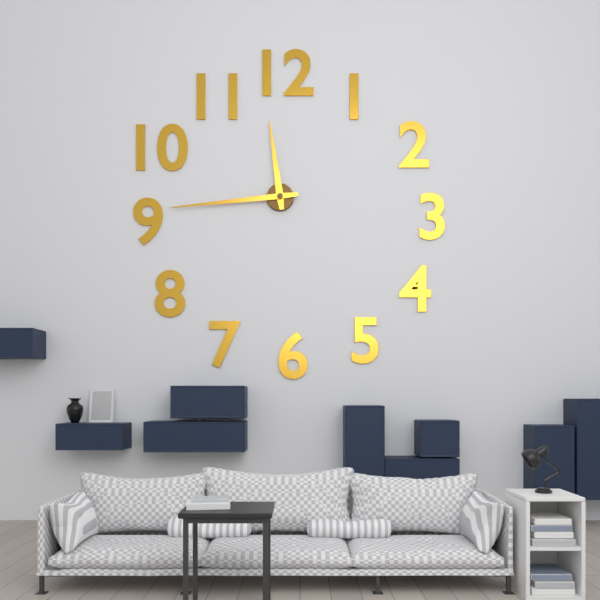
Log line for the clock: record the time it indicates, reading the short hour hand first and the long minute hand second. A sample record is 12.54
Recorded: 11.44
